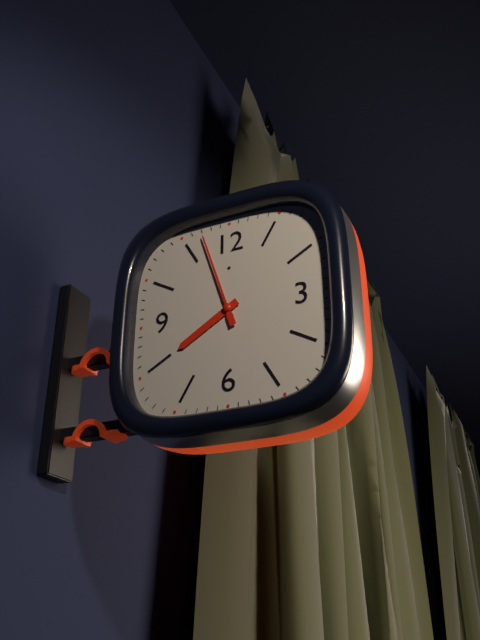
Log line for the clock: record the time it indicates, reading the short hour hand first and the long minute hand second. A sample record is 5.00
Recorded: 7.57
